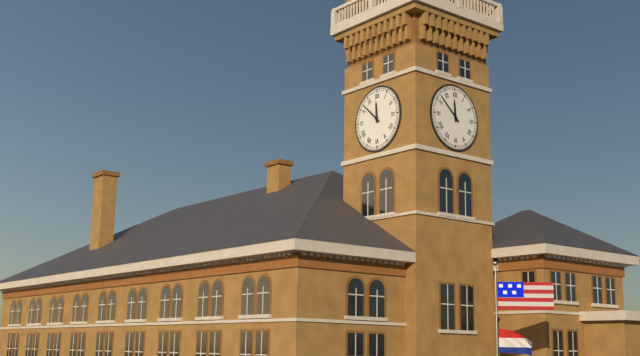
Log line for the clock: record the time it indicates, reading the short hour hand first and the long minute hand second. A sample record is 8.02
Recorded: 11.52
